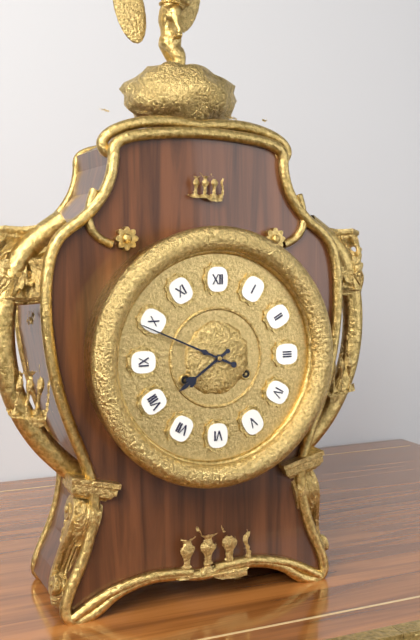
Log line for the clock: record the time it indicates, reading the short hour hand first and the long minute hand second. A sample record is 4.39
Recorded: 7.49
